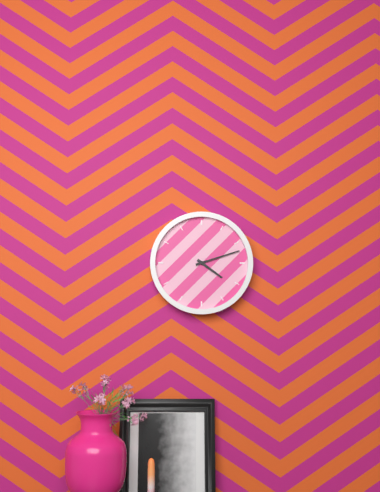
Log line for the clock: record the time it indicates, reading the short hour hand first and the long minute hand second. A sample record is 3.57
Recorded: 4.12
